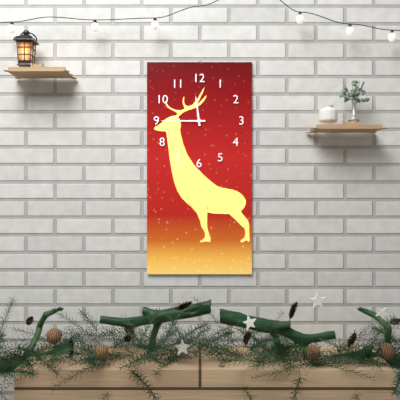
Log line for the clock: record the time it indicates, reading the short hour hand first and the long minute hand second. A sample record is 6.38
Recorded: 11.45
